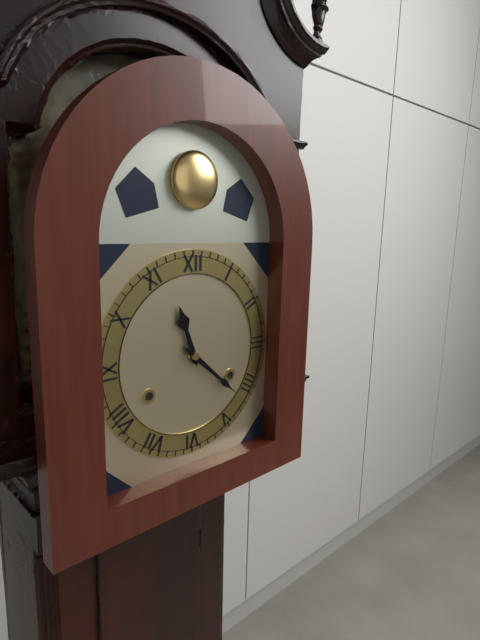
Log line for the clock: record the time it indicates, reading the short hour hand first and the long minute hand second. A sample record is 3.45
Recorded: 11.22
